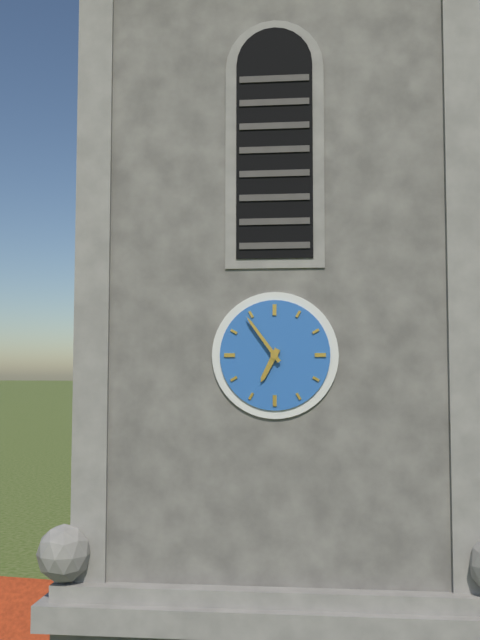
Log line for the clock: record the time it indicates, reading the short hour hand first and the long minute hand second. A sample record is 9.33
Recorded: 6.54
